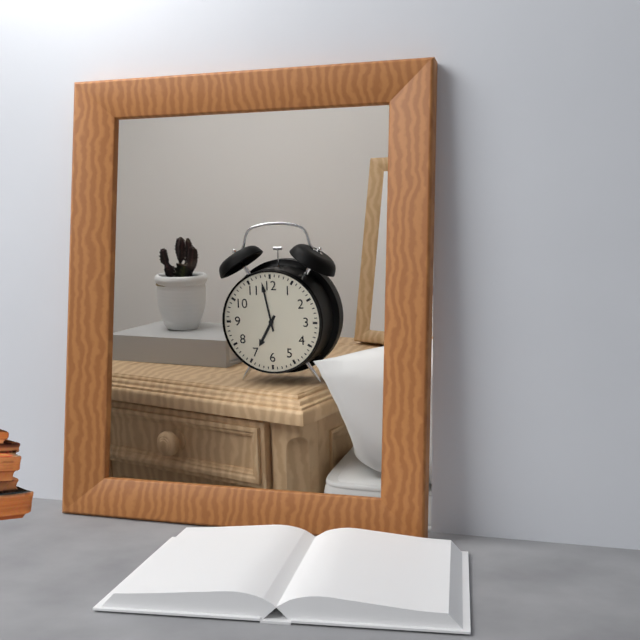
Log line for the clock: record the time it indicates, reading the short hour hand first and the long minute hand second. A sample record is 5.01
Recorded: 6.58
